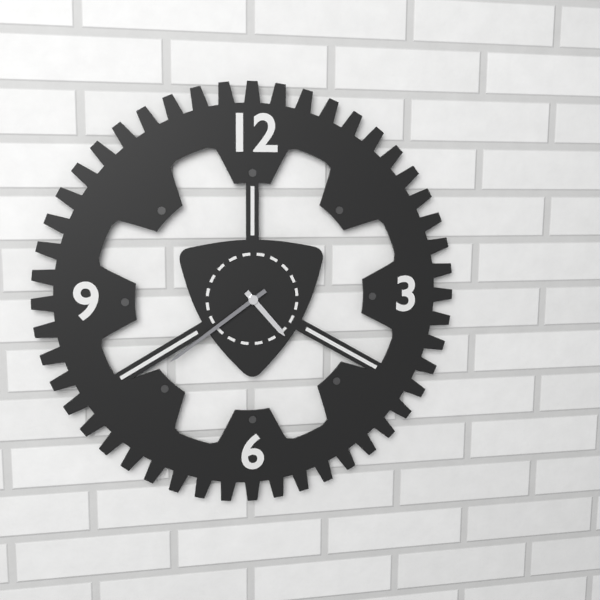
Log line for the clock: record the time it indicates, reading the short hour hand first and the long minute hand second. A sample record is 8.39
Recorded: 4.39
